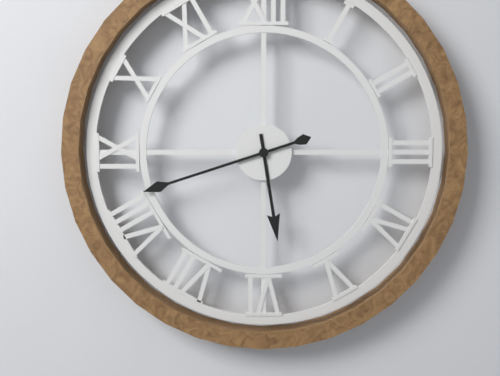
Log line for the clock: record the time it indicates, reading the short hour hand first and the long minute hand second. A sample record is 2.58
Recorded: 5.42
